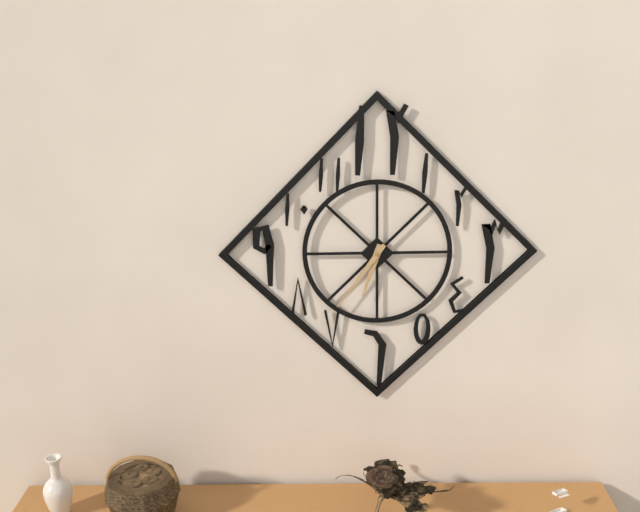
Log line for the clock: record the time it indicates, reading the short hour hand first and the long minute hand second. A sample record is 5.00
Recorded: 6.36
